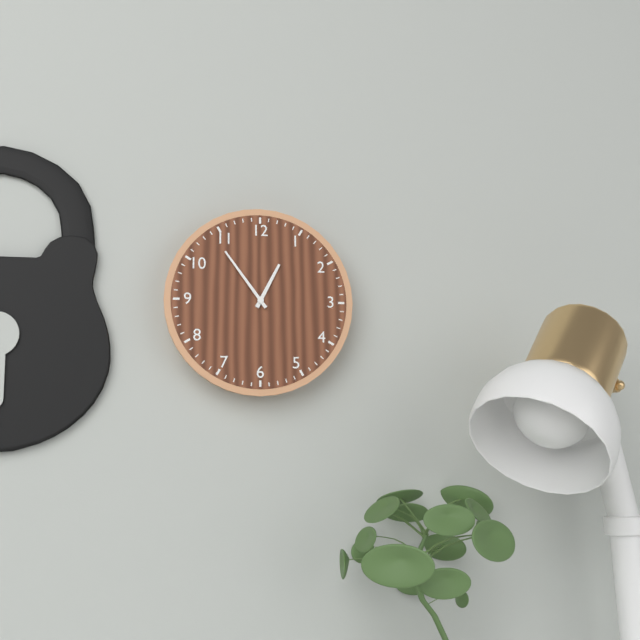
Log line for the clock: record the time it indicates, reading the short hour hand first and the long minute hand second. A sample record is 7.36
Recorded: 12.54
